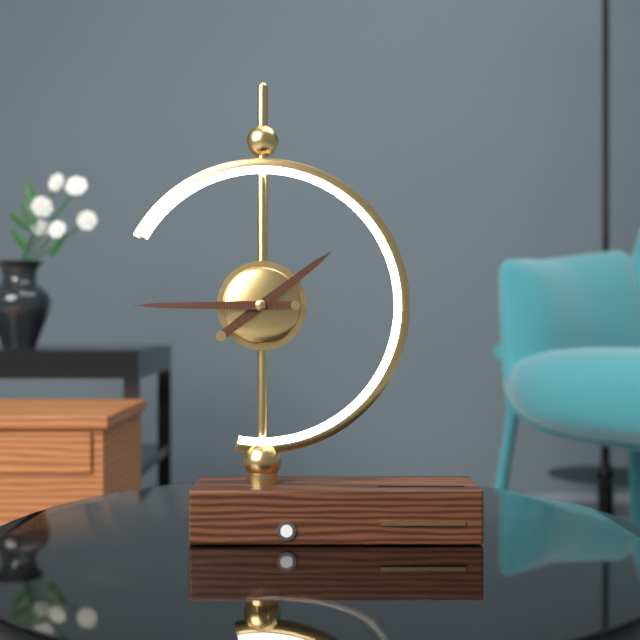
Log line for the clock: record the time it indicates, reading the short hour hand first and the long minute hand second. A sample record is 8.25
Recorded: 1.45
